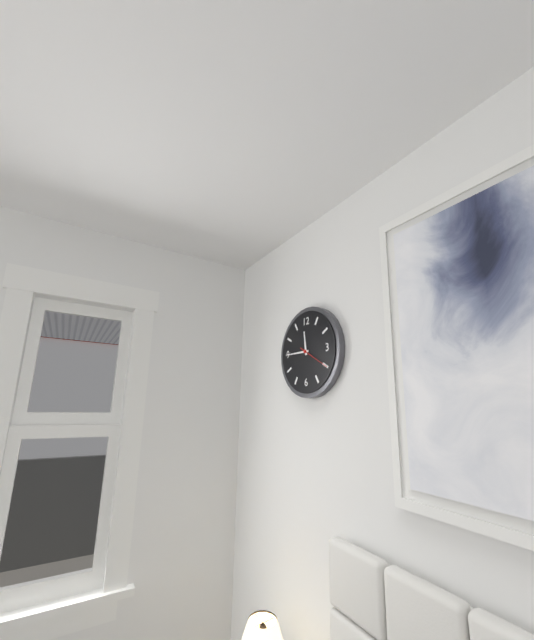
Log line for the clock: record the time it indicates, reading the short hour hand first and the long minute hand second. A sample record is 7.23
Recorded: 11.45
